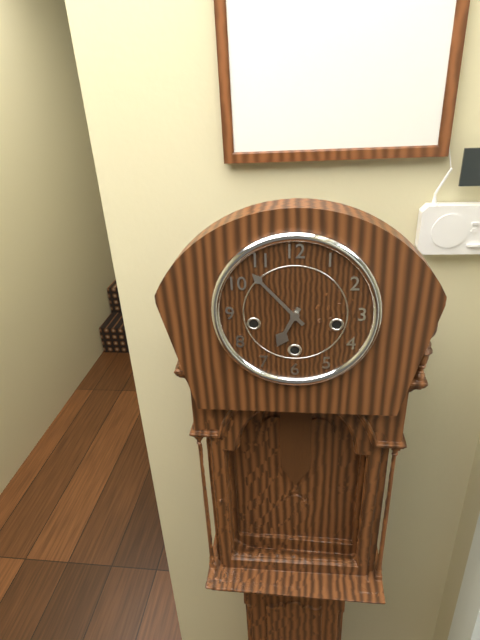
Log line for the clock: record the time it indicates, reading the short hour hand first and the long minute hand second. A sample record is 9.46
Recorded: 6.53
